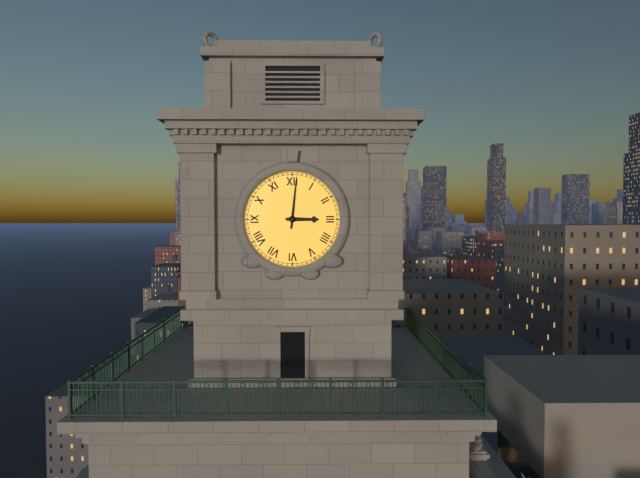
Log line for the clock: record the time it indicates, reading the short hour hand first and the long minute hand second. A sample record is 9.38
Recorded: 3.01
